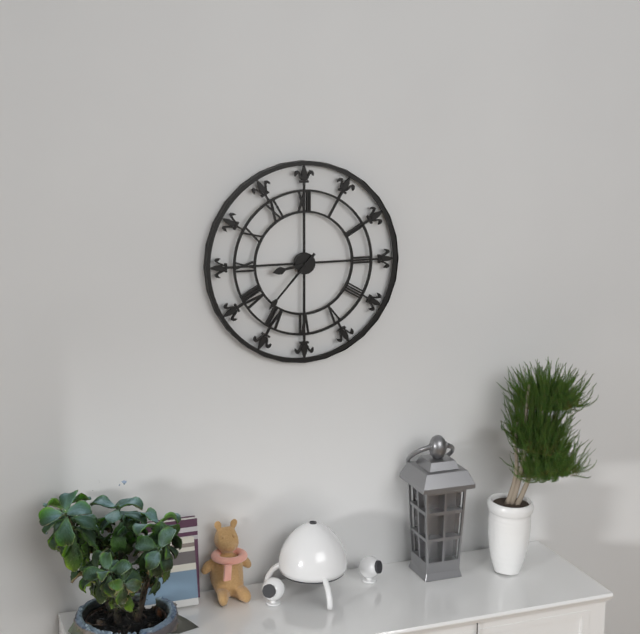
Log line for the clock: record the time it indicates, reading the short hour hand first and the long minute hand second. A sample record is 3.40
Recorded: 8.37
